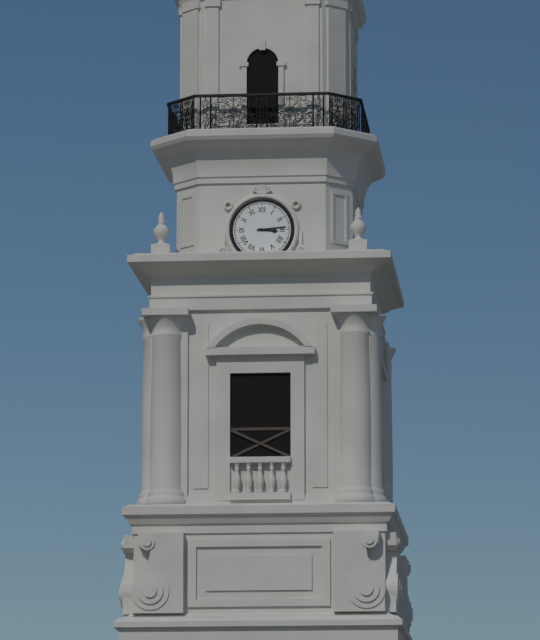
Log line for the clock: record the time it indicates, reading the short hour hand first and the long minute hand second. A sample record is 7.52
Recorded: 3.14
